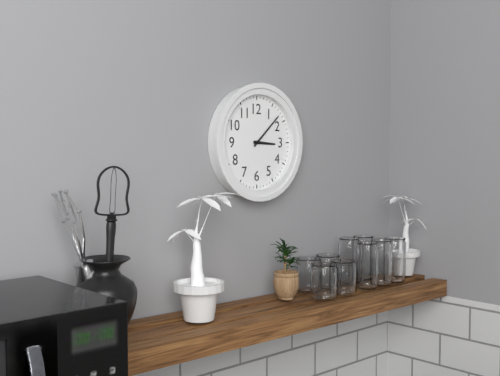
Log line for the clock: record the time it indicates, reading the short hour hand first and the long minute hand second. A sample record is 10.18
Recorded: 3.08
